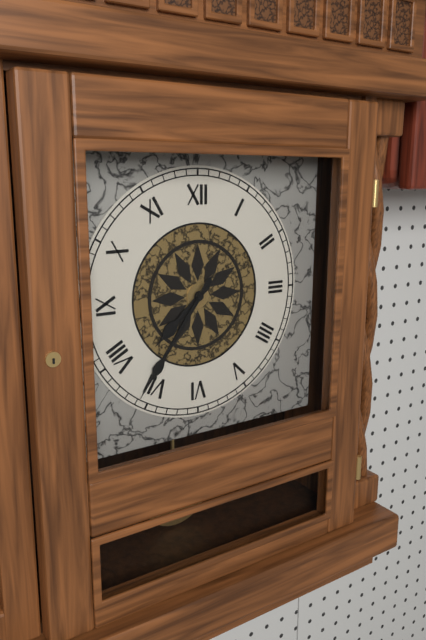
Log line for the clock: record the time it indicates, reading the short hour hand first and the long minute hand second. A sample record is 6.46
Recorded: 7.36
